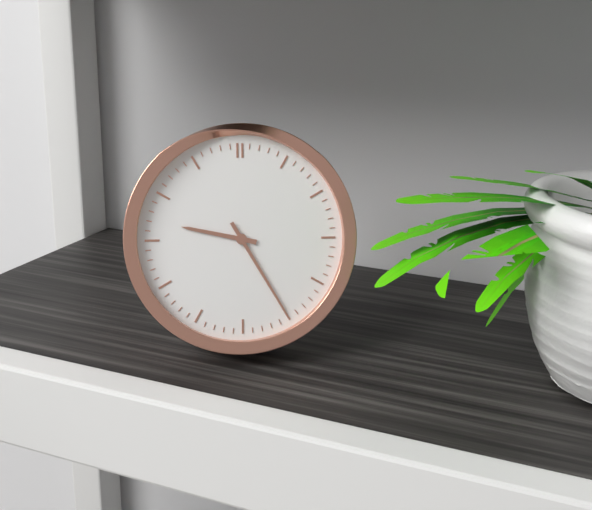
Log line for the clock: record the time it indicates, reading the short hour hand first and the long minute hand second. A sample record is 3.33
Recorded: 9.25
